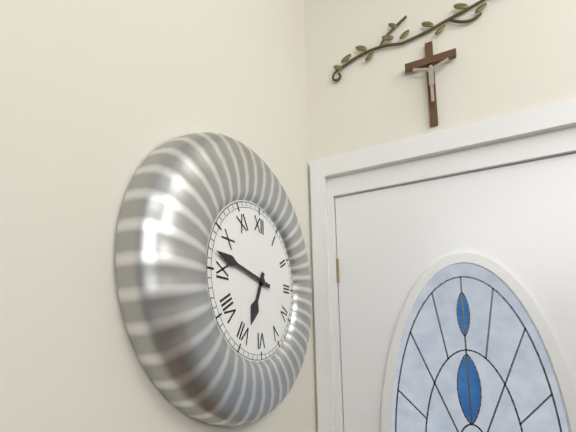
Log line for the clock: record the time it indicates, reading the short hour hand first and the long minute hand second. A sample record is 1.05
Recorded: 6.47
